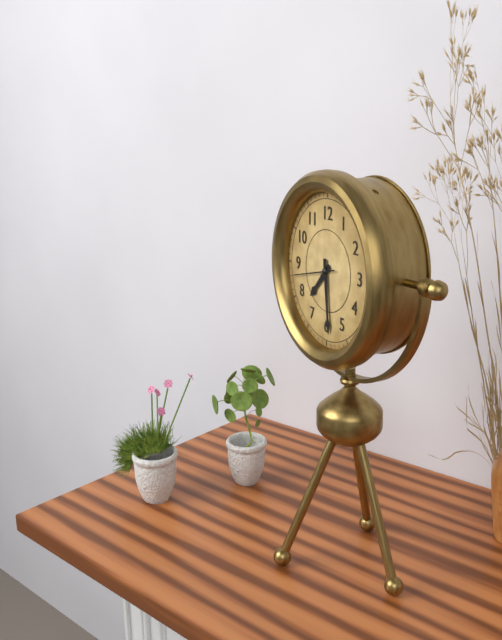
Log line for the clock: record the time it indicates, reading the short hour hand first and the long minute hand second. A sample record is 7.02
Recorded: 7.29
